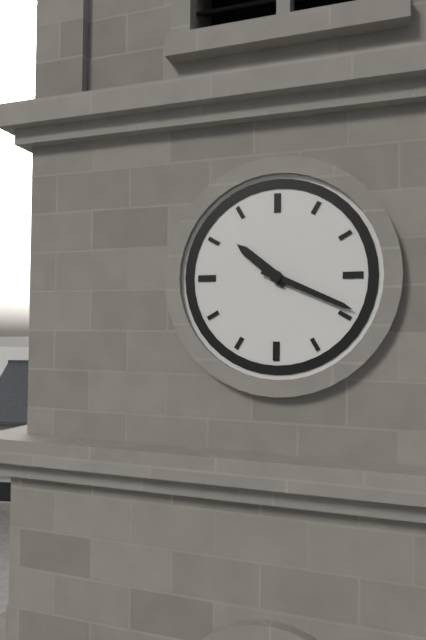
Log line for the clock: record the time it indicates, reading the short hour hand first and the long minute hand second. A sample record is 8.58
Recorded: 10.19
